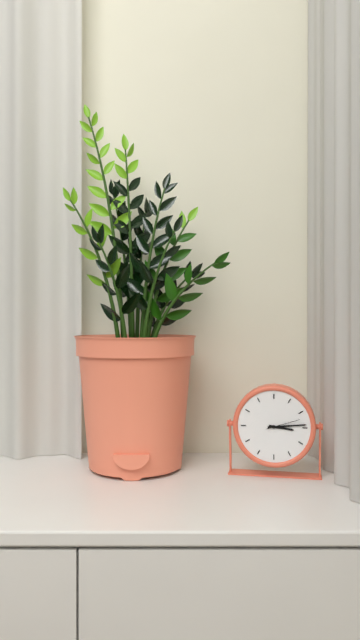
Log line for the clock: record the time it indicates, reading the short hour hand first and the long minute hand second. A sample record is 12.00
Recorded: 3.14
